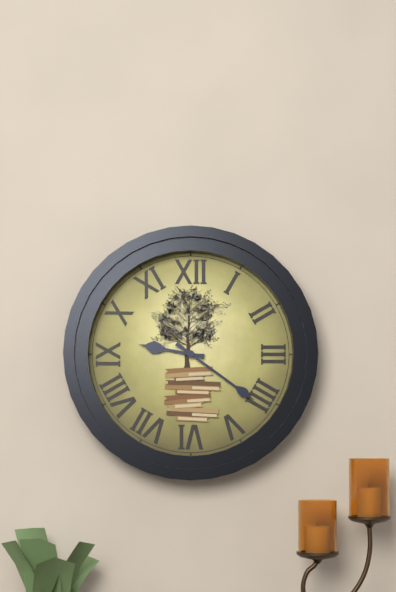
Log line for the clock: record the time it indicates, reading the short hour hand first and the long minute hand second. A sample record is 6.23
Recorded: 9.21
